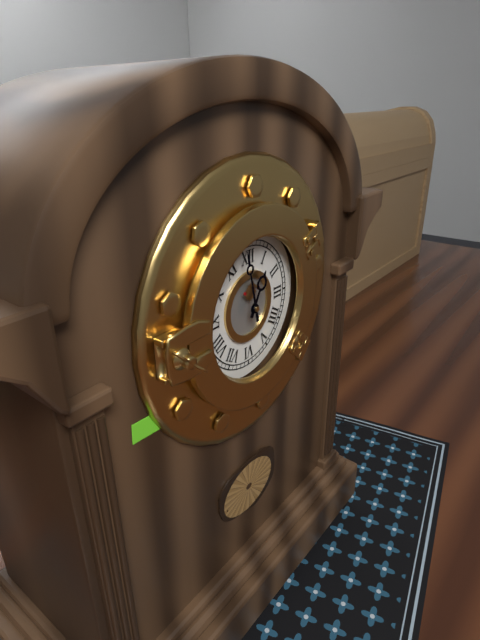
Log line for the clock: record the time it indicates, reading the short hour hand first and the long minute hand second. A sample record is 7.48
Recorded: 12.58
